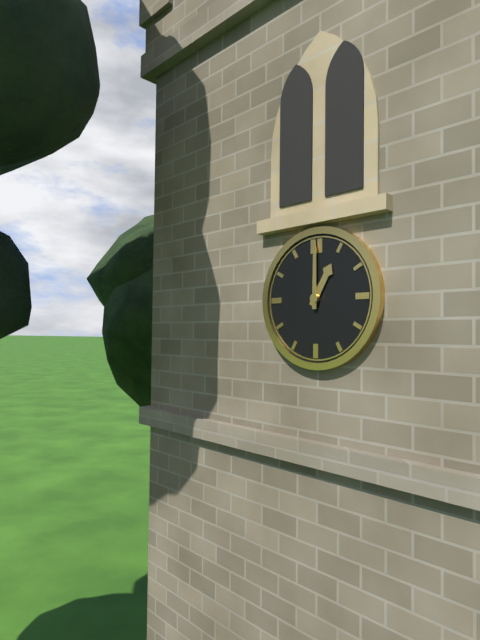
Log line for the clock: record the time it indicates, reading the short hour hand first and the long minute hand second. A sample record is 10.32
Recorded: 1.00
